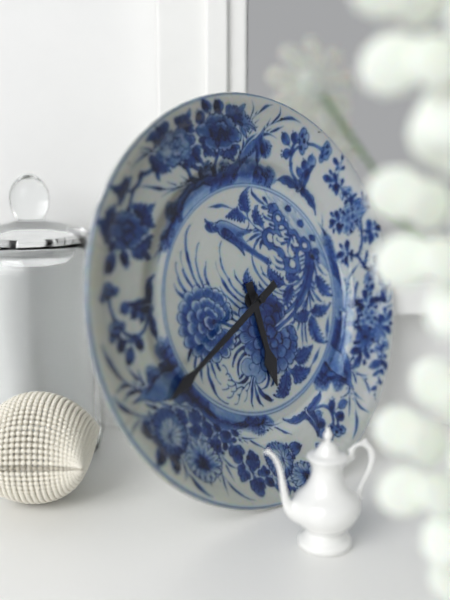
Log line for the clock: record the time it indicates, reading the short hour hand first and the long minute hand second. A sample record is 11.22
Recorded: 5.40
